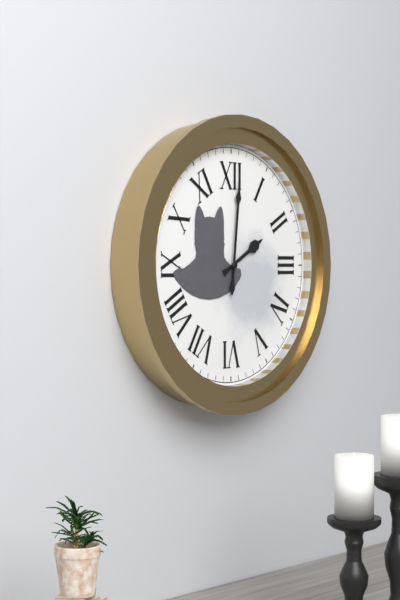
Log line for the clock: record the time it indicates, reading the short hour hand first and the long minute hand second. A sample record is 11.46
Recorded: 2.01
